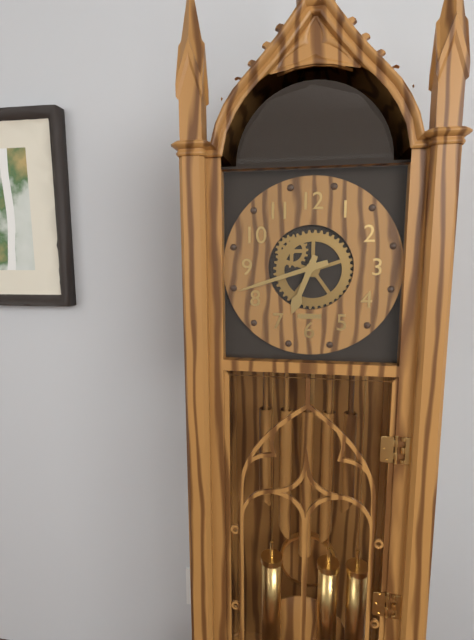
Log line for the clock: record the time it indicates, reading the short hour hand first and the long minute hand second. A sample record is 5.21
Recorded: 6.42
